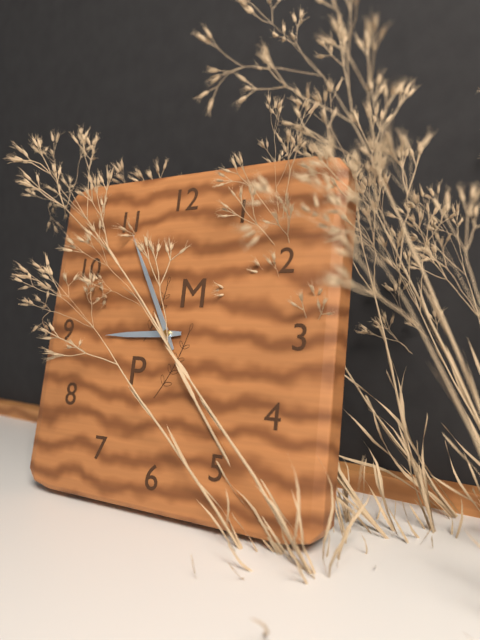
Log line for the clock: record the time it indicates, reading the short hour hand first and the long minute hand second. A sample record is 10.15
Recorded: 8.55
